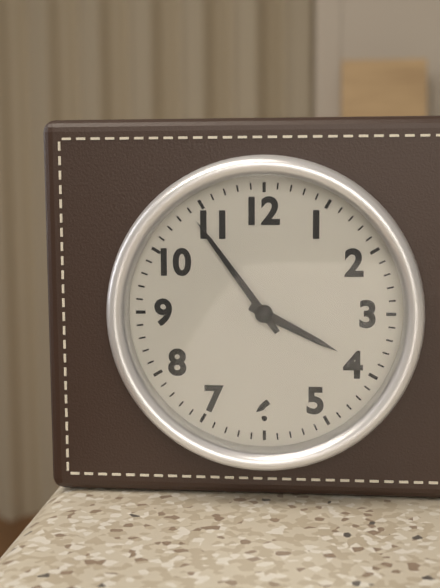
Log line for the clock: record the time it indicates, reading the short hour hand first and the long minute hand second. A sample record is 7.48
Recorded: 3.54
